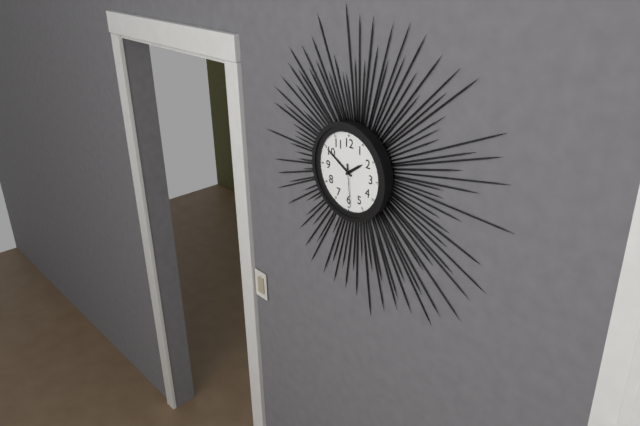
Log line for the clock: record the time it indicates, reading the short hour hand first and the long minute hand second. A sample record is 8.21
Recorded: 1.50
